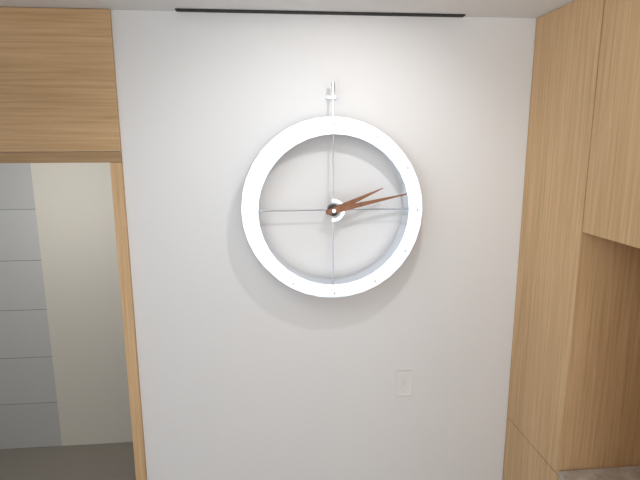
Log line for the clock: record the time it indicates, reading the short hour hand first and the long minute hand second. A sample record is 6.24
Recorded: 2.13
